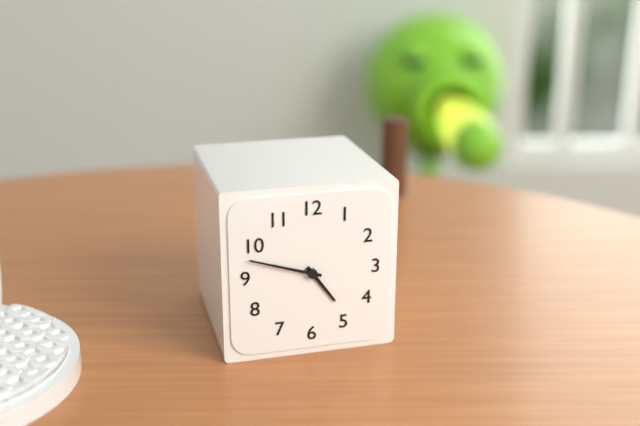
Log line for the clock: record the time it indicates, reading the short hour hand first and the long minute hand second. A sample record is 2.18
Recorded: 4.48
